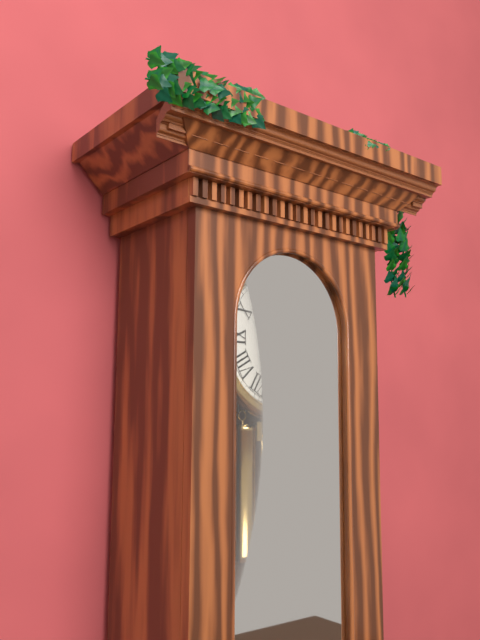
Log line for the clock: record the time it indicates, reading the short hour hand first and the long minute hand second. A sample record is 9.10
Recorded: 12.18
